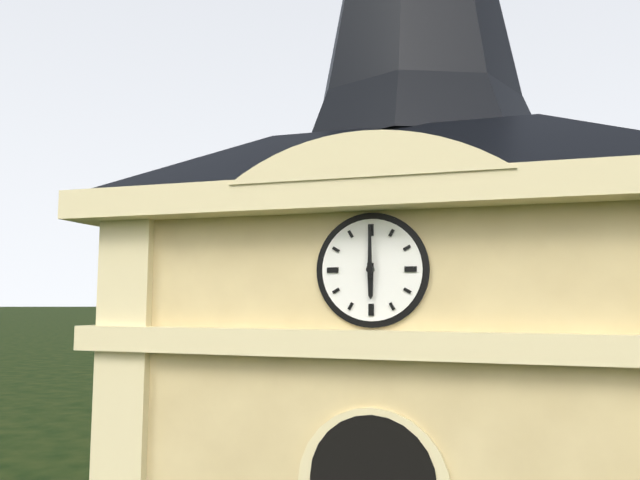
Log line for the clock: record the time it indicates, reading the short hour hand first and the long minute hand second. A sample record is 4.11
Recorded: 6.00
